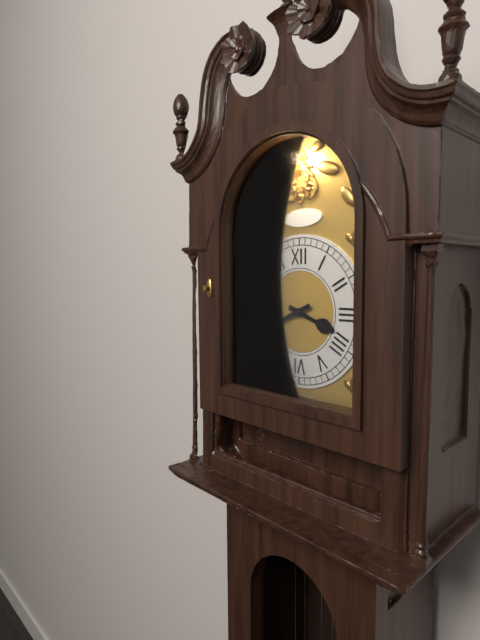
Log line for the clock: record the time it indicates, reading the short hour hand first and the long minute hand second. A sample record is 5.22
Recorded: 3.41
